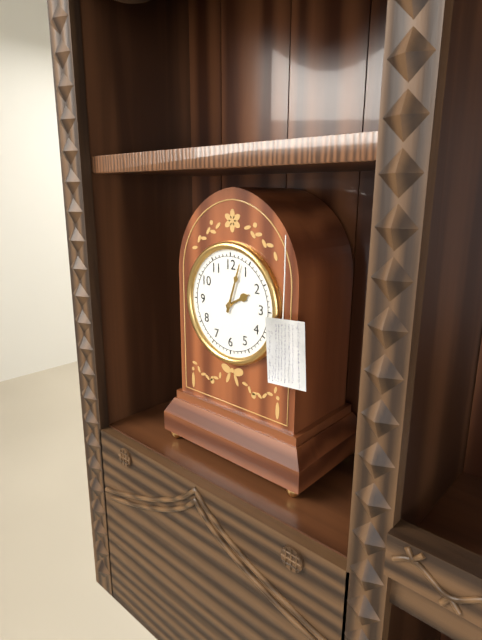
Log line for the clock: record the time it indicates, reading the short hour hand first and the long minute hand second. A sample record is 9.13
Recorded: 2.03
